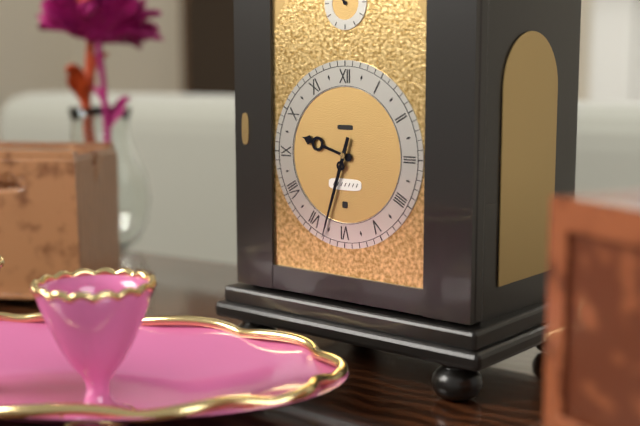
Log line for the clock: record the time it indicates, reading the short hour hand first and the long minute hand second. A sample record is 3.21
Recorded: 9.33
